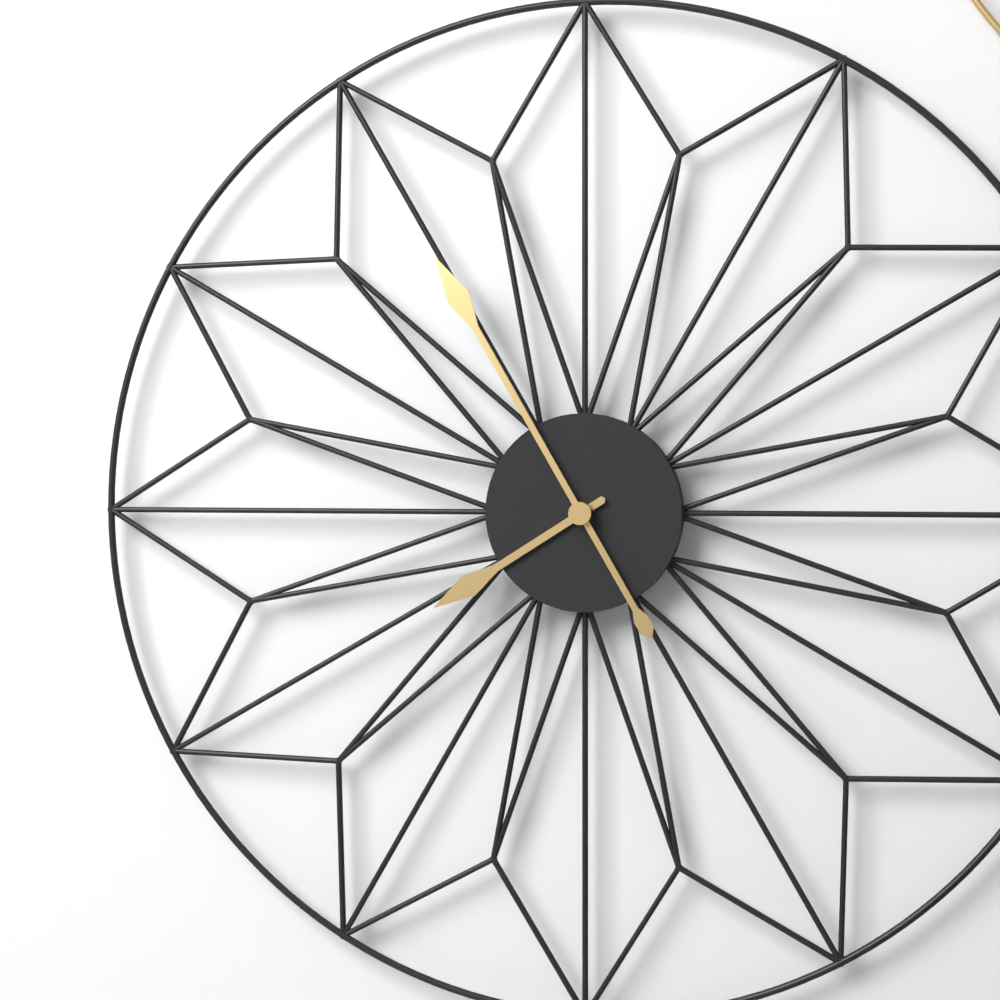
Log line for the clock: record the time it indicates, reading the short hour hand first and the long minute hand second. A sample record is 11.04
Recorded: 7.55
